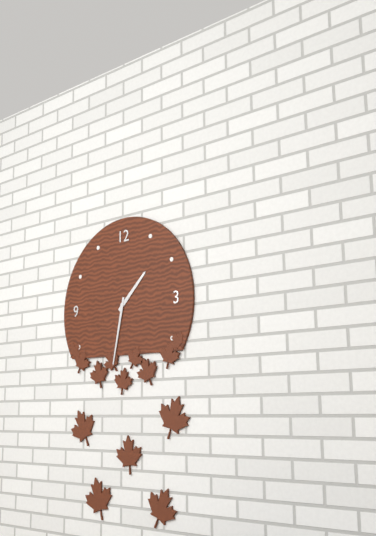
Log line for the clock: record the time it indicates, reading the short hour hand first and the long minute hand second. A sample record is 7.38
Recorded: 1.32
